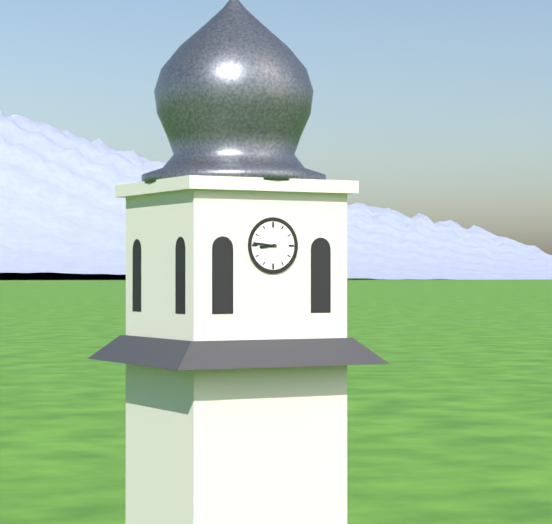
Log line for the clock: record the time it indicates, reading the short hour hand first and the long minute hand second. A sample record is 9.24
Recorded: 8.46
